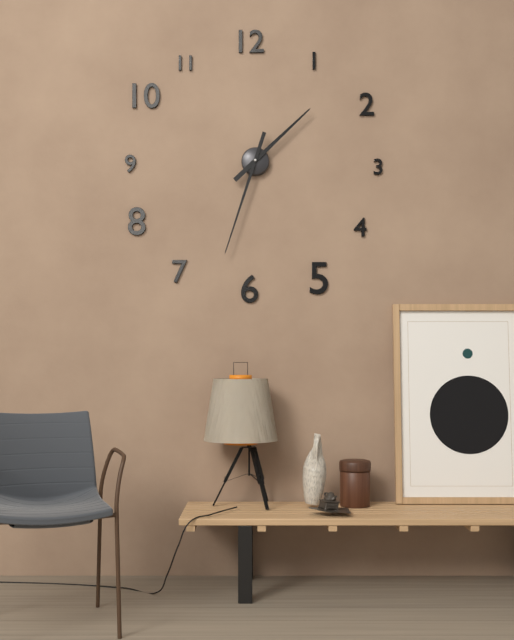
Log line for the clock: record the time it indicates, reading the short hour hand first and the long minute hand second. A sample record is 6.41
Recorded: 1.33
